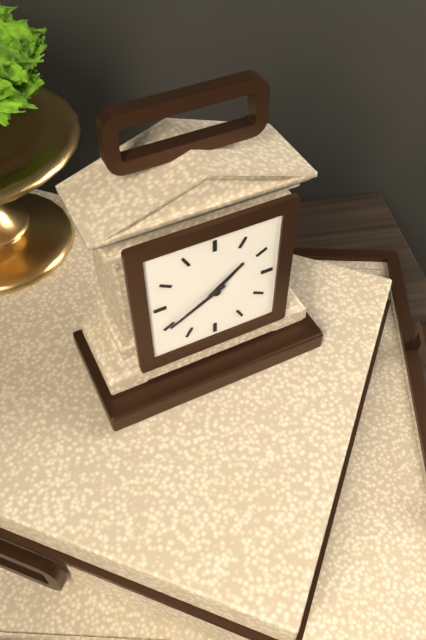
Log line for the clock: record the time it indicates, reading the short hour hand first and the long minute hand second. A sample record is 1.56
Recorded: 1.40
